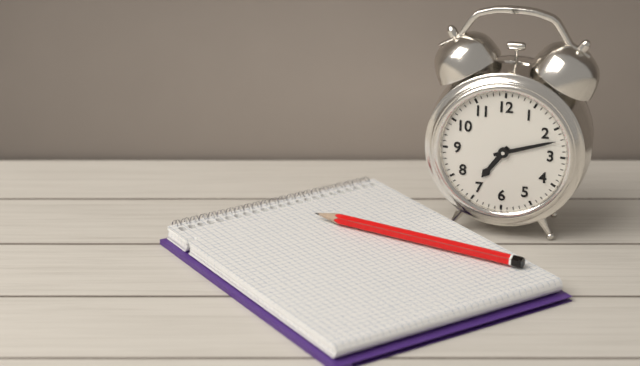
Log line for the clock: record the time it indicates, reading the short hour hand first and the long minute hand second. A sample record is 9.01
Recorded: 7.12
